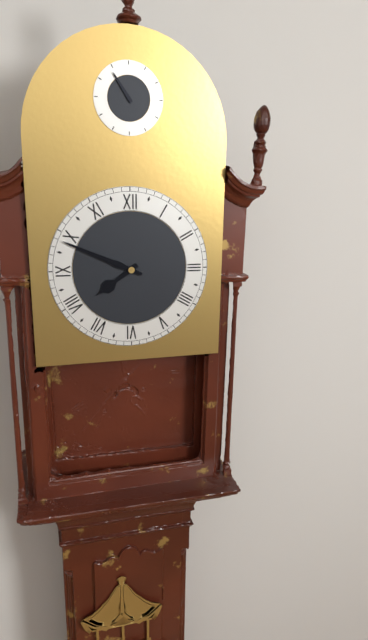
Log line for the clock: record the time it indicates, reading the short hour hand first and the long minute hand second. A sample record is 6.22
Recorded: 7.49
